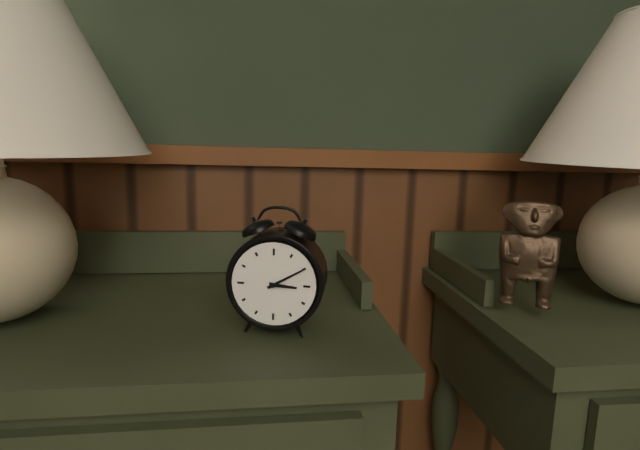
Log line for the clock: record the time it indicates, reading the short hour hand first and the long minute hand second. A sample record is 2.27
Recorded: 3.10
